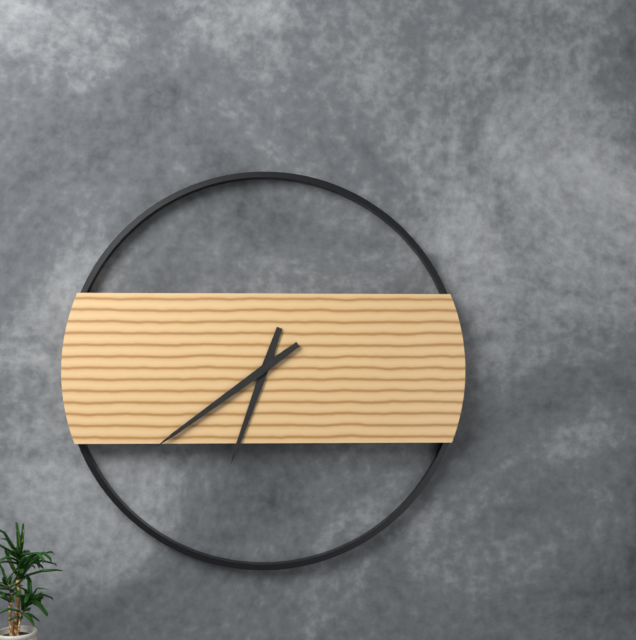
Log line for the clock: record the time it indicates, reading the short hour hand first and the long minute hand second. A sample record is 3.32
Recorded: 6.39
